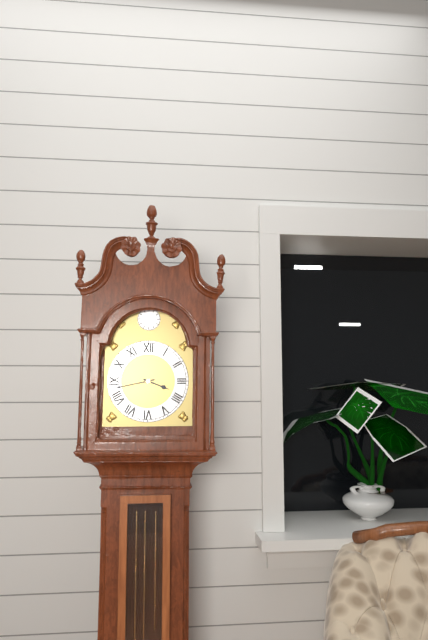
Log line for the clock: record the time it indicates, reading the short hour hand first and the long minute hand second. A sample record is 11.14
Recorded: 3.43
